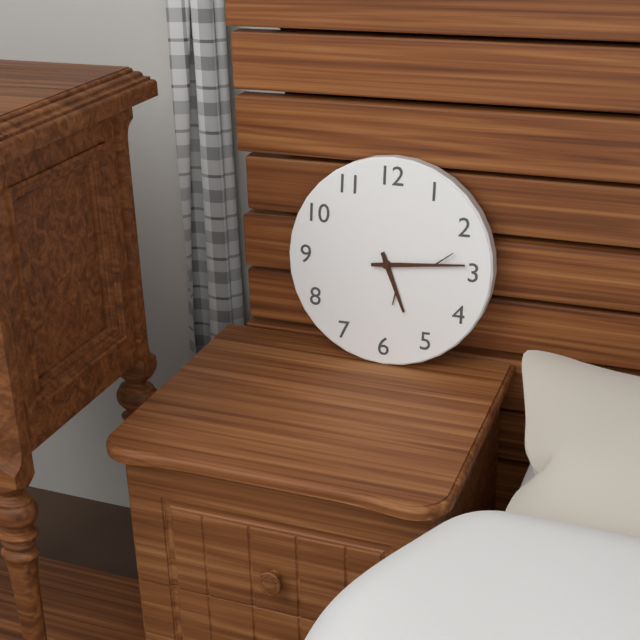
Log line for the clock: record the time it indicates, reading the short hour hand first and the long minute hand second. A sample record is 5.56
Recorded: 5.14
